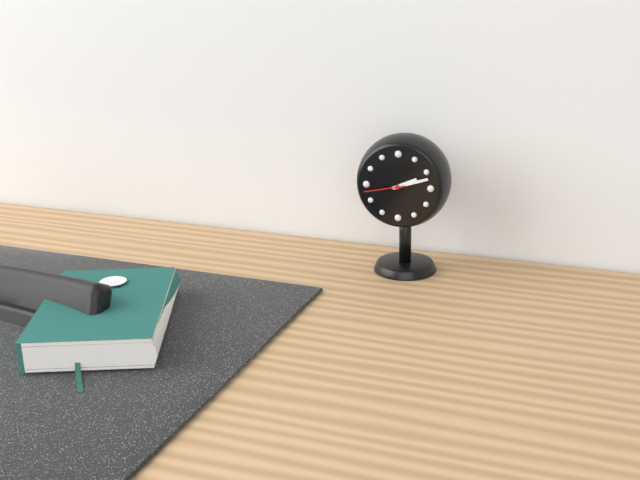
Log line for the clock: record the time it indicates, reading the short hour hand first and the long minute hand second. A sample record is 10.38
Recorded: 2.12
